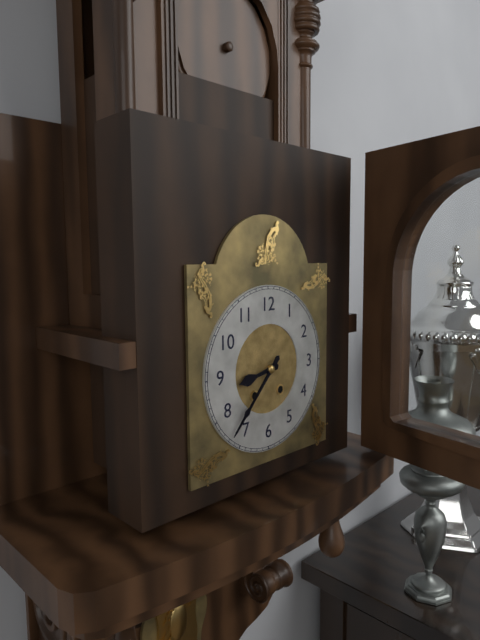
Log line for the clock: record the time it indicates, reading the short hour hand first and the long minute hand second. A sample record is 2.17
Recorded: 8.37
